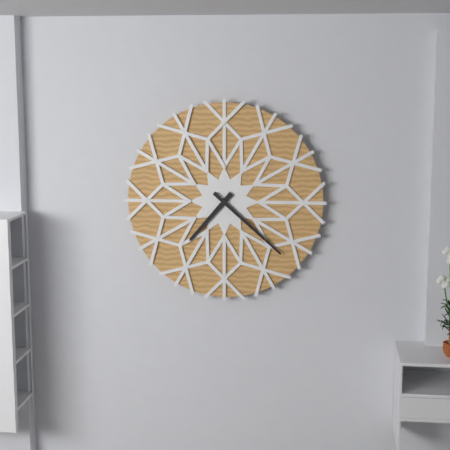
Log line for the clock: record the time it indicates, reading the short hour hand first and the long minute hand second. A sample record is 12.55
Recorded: 7.22
